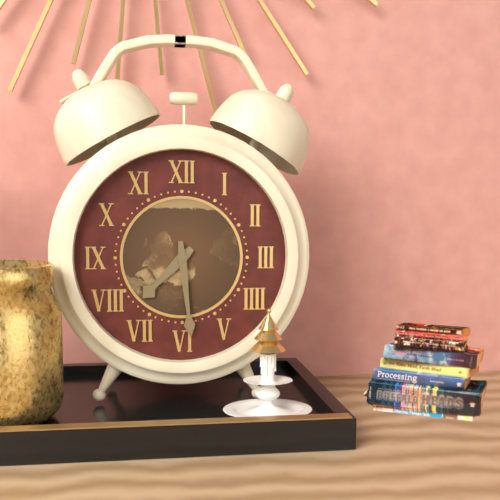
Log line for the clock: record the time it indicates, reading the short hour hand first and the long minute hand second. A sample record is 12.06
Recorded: 7.29
